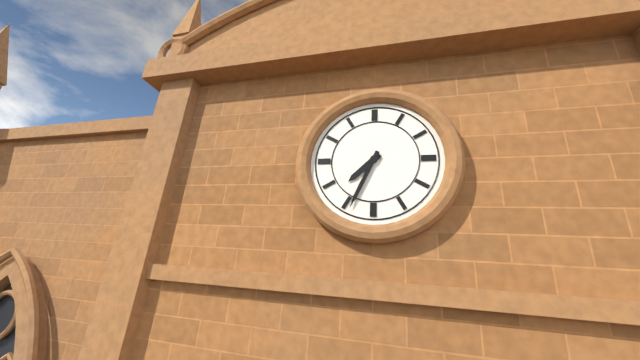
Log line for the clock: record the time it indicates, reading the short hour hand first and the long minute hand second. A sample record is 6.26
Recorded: 7.34
